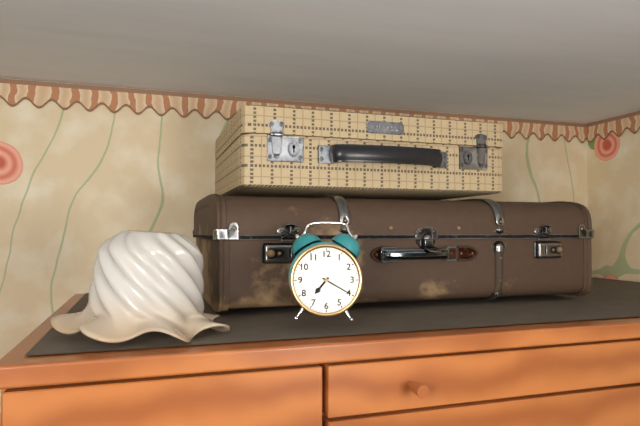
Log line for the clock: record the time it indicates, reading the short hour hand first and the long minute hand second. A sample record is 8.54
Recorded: 7.20
